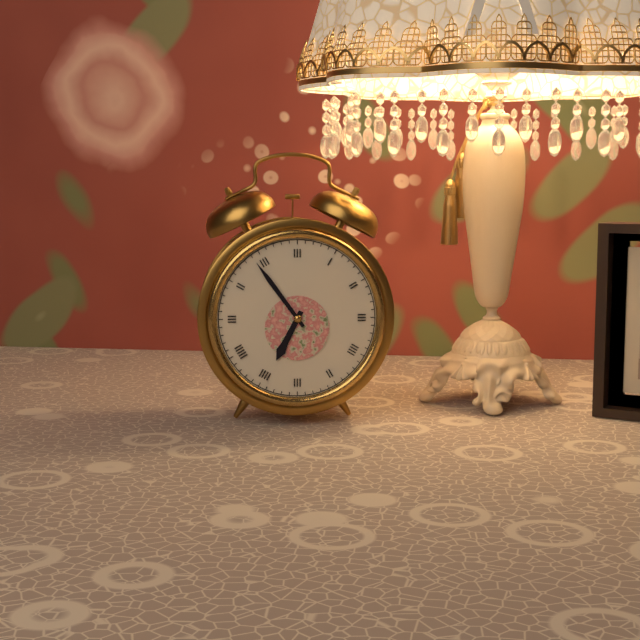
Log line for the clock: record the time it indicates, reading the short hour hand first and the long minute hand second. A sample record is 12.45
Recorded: 6.54
